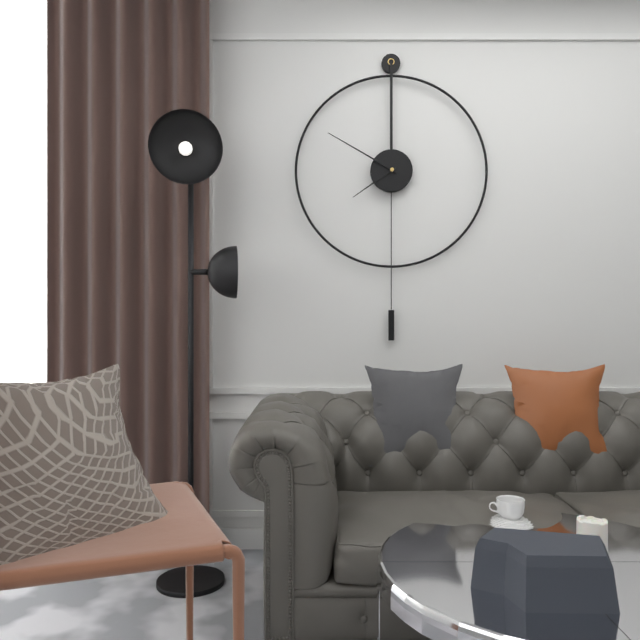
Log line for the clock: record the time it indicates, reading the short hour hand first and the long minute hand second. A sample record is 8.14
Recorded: 7.50
